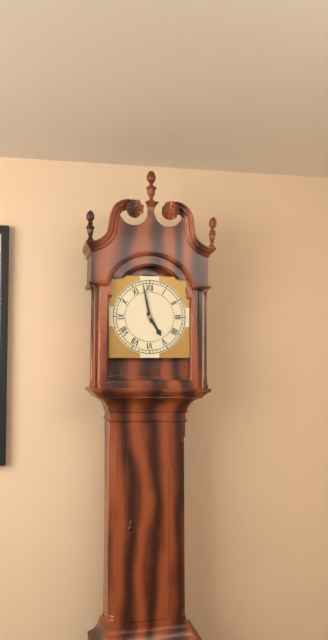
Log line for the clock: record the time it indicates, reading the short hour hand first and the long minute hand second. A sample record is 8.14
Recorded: 4.58
